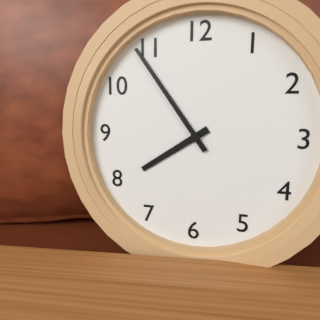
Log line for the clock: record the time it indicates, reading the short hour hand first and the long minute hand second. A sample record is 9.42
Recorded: 7.54
